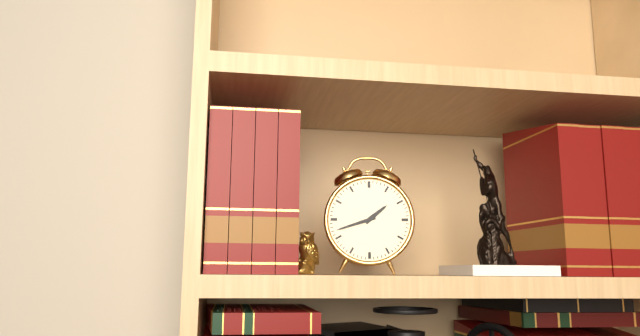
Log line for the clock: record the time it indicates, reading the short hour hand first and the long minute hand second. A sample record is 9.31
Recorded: 1.42
